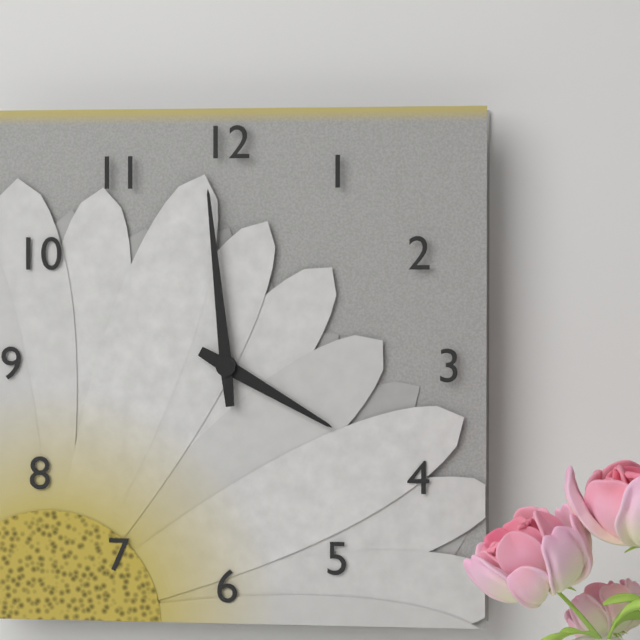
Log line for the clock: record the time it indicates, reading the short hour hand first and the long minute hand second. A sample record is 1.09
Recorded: 3.59
